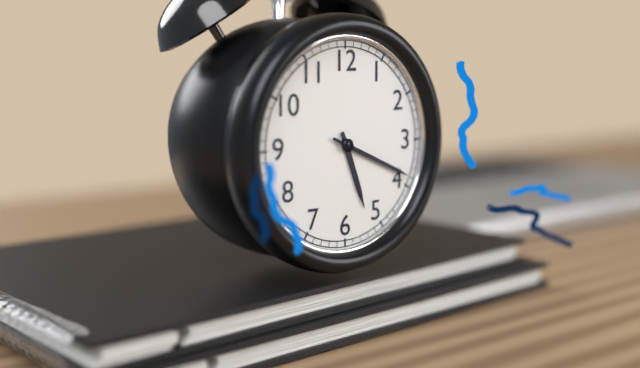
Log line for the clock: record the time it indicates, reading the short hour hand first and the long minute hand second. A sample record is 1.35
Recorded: 5.19
